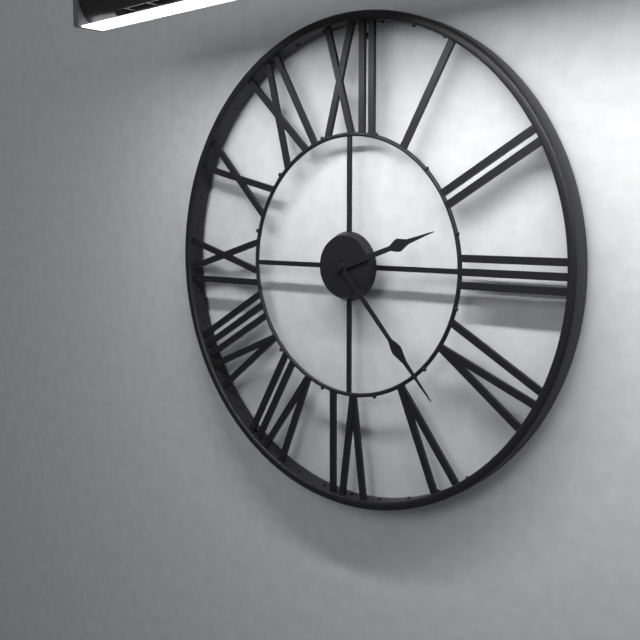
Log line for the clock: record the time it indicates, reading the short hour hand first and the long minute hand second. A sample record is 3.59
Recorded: 2.23
